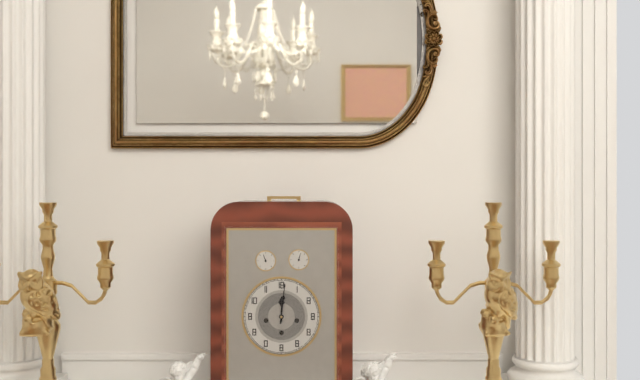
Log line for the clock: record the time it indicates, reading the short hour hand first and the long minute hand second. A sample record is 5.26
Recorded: 12.01
